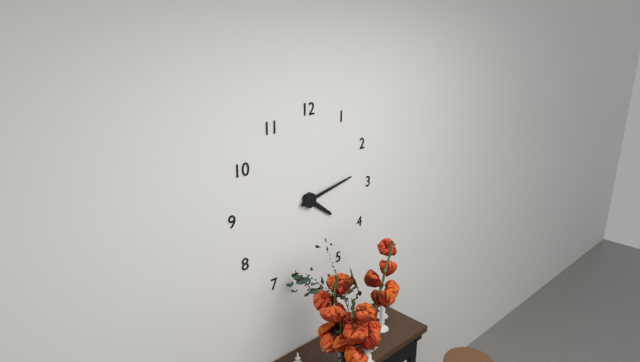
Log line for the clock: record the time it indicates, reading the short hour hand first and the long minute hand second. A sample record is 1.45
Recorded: 4.13
